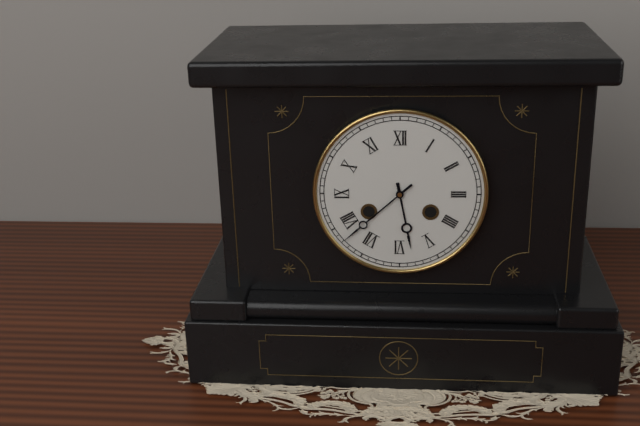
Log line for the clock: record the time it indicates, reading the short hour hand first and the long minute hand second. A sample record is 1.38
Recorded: 5.38
